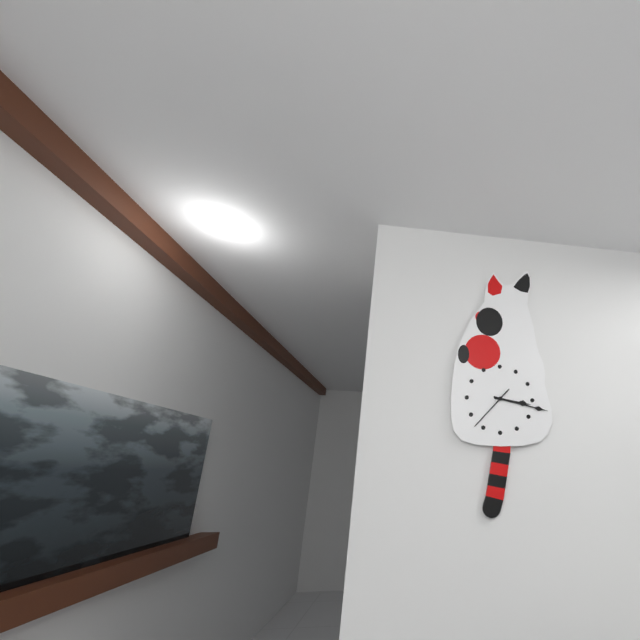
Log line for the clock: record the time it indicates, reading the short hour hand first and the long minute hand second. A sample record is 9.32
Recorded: 3.17
